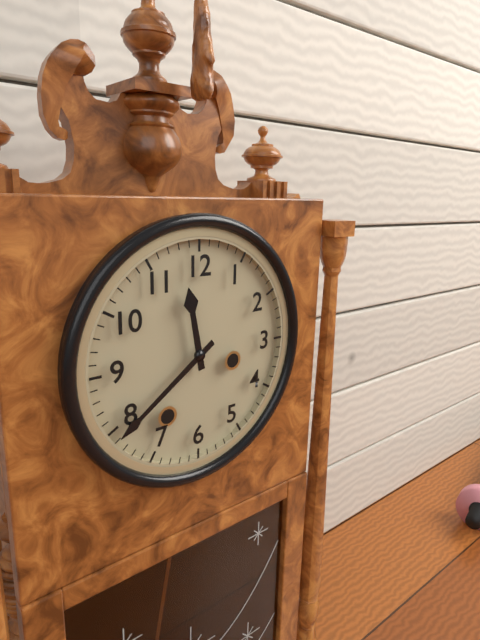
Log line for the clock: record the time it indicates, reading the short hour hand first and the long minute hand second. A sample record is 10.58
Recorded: 11.39
